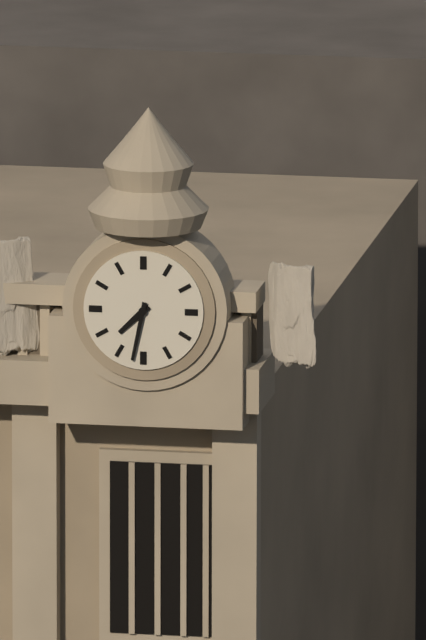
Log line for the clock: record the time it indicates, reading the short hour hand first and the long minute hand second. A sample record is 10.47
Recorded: 7.32
